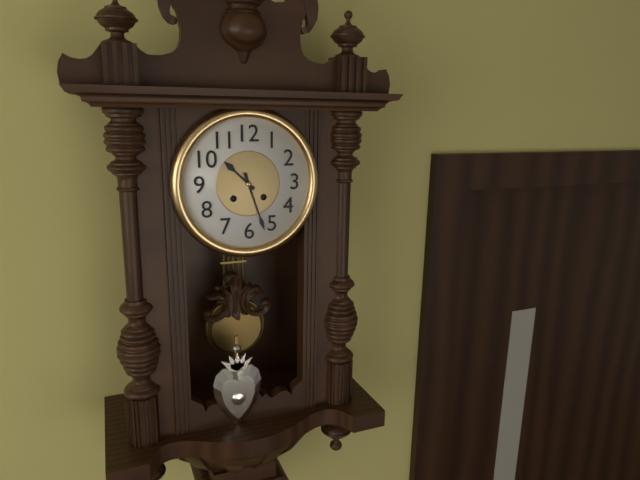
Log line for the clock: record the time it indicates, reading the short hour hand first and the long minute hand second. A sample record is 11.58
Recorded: 10.27
